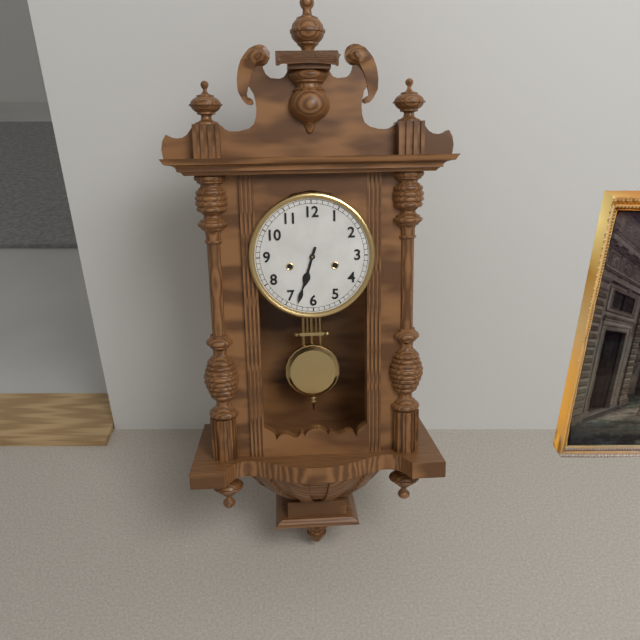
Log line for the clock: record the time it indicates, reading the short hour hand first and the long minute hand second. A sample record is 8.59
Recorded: 6.33
